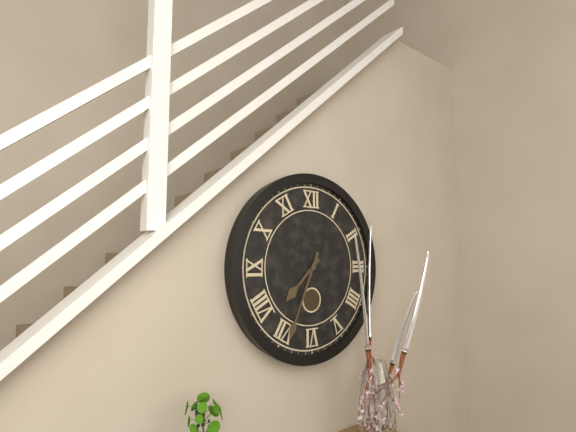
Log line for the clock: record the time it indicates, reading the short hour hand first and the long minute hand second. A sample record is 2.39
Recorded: 7.34
